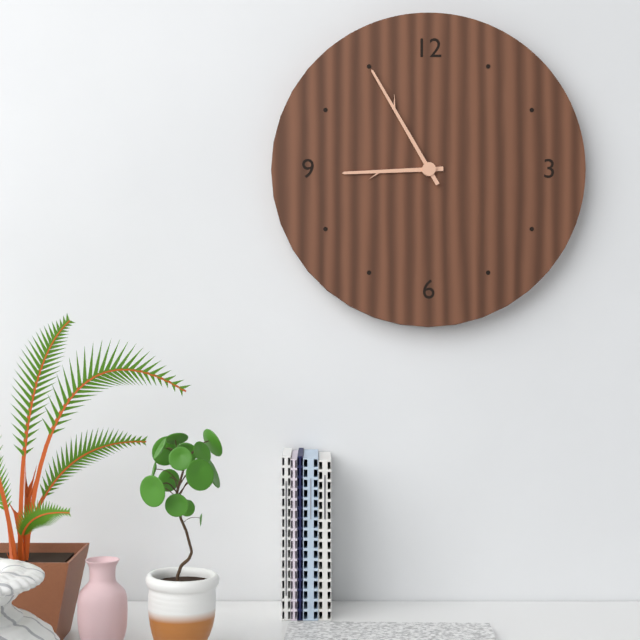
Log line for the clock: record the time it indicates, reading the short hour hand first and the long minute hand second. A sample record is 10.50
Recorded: 8.55
